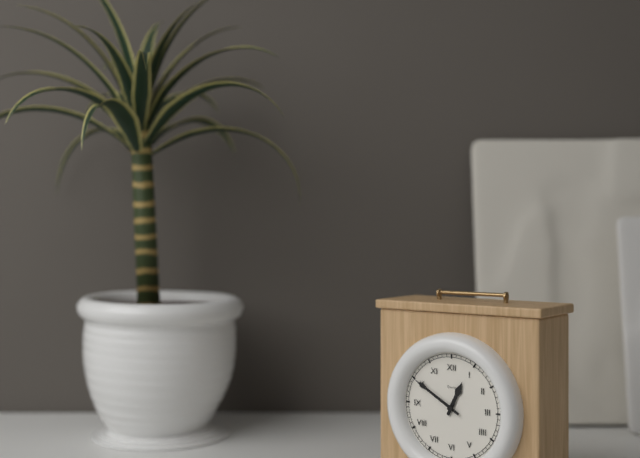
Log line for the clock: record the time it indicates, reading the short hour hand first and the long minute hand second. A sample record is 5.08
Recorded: 12.50
